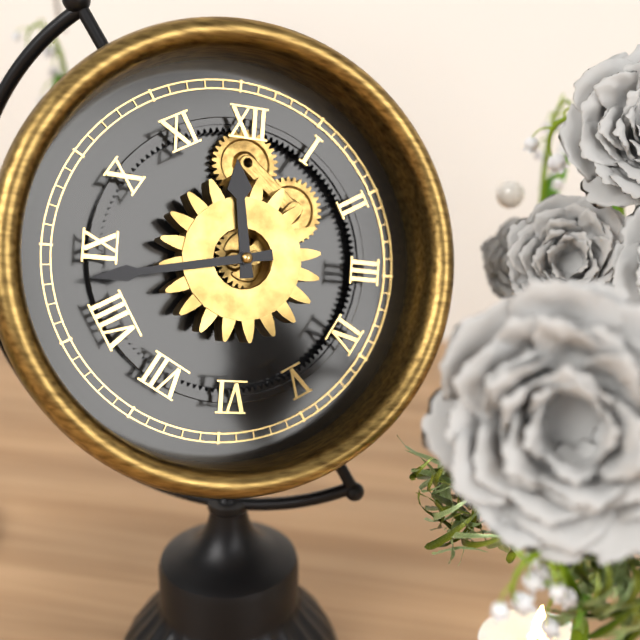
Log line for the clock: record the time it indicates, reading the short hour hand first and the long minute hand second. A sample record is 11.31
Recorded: 11.43
